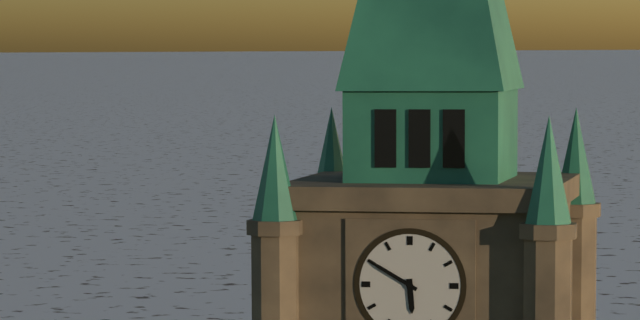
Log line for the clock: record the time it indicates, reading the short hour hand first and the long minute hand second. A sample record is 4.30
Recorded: 5.50
